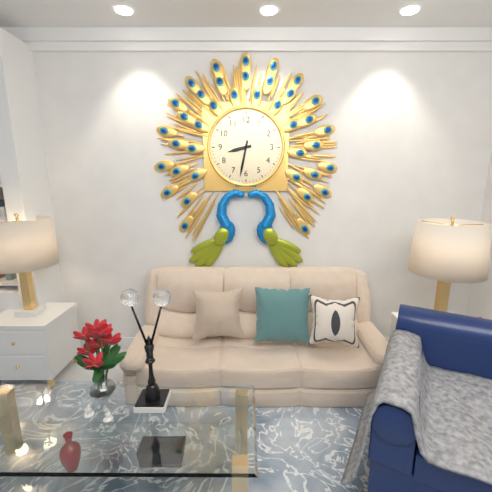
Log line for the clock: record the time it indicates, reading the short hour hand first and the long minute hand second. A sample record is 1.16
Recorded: 8.32
